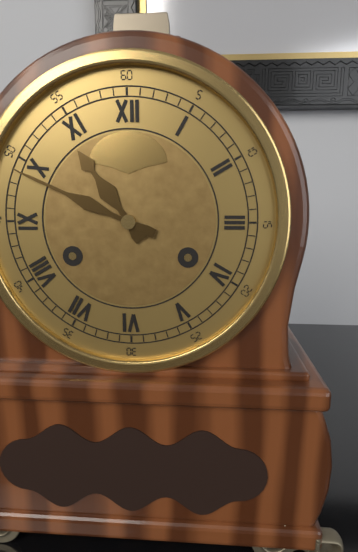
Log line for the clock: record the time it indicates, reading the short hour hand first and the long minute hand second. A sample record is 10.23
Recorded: 10.49
